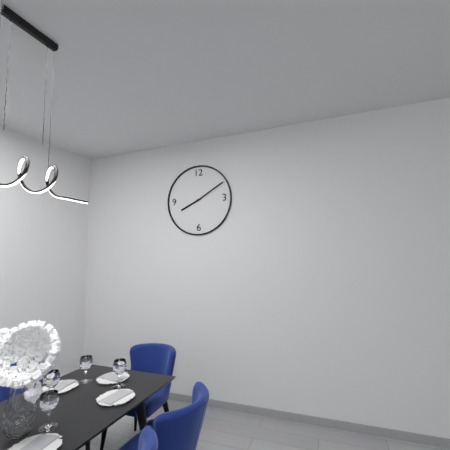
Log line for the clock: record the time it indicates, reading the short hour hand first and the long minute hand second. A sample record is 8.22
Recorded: 8.10
